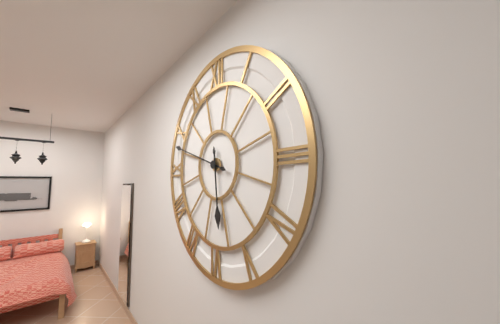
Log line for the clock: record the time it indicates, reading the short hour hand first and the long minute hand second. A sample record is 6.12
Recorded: 5.48
